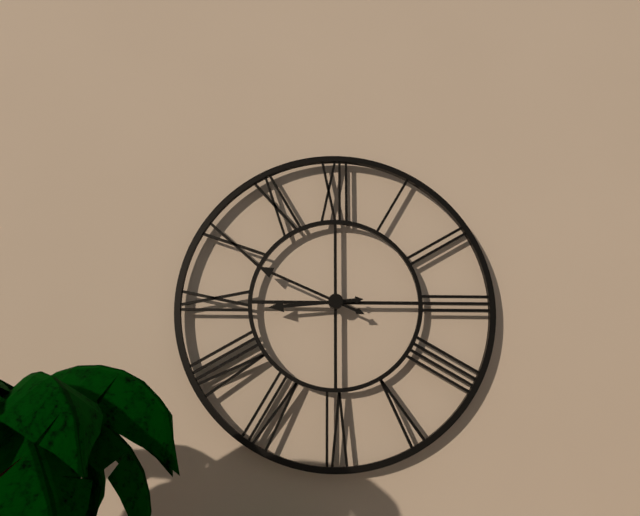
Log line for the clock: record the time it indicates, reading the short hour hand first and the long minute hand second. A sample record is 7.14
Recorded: 8.49
